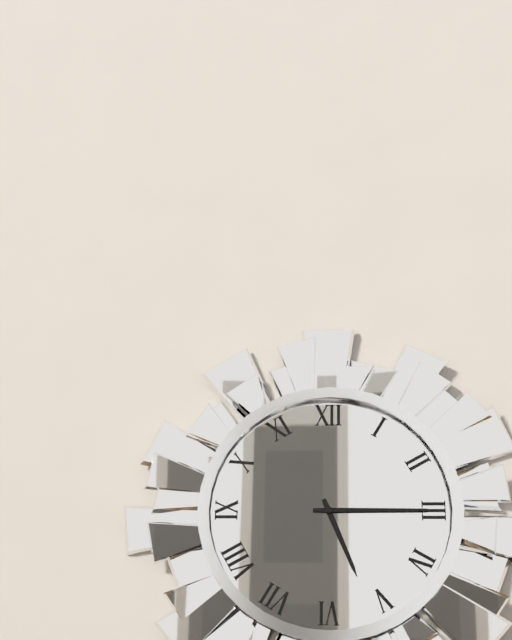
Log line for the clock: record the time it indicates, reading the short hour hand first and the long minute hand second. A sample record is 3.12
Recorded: 5.15
